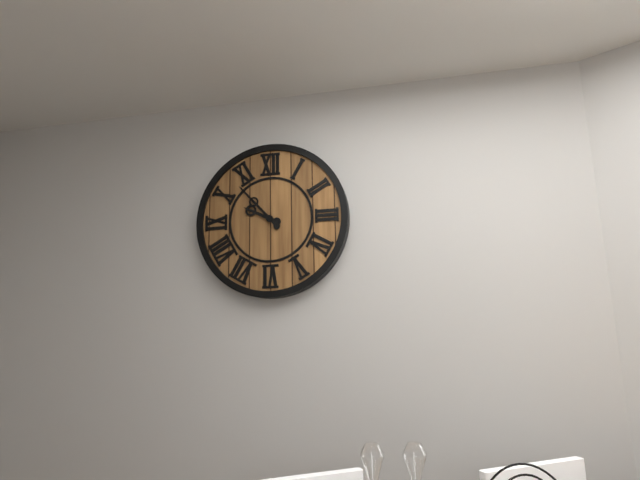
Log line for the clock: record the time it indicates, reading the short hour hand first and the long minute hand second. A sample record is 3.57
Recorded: 9.53
